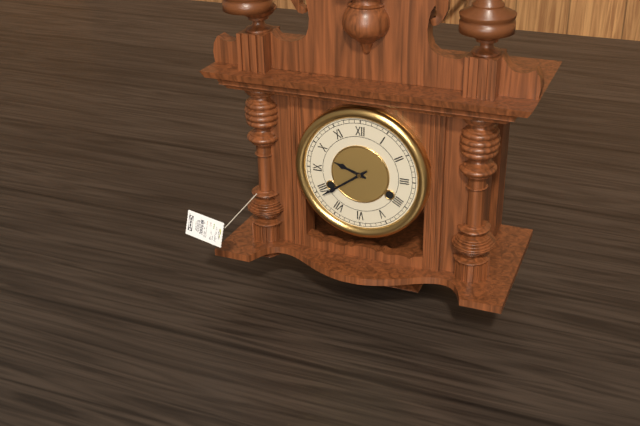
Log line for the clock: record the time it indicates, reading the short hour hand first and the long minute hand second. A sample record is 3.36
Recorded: 9.39
